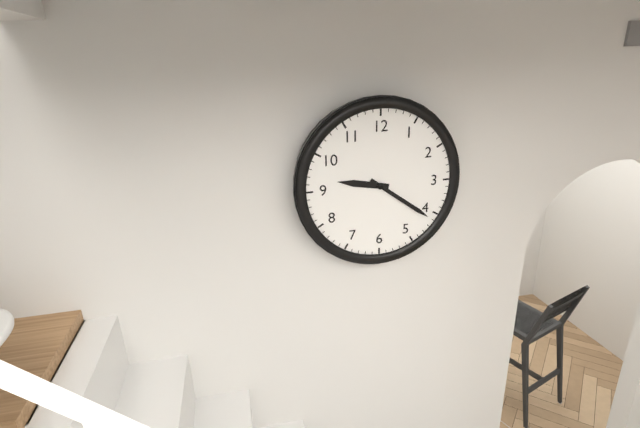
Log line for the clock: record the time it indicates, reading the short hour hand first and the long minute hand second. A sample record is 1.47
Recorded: 9.21
